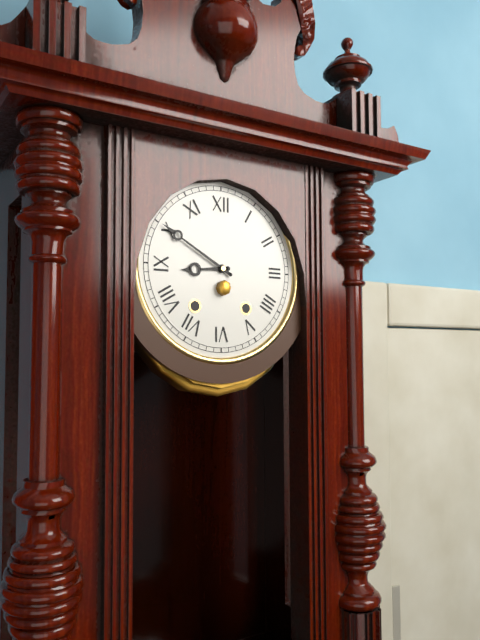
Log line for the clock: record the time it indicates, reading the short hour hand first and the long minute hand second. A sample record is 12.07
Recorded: 8.50
